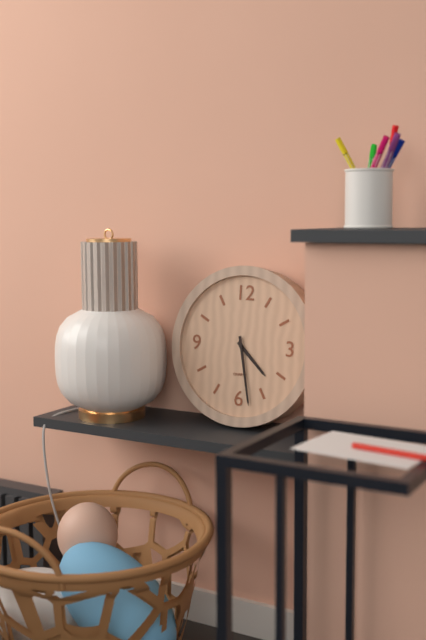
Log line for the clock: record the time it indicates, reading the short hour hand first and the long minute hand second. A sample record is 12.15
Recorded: 4.28
